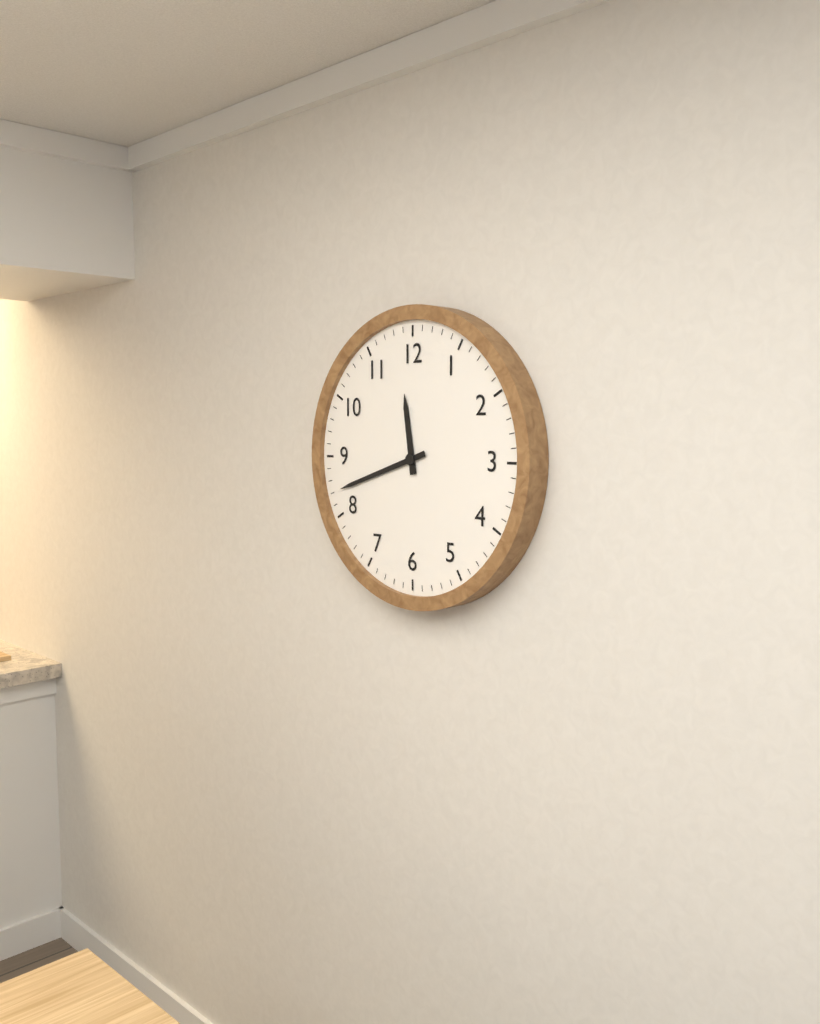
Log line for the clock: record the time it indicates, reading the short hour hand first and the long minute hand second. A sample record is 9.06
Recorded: 11.42
